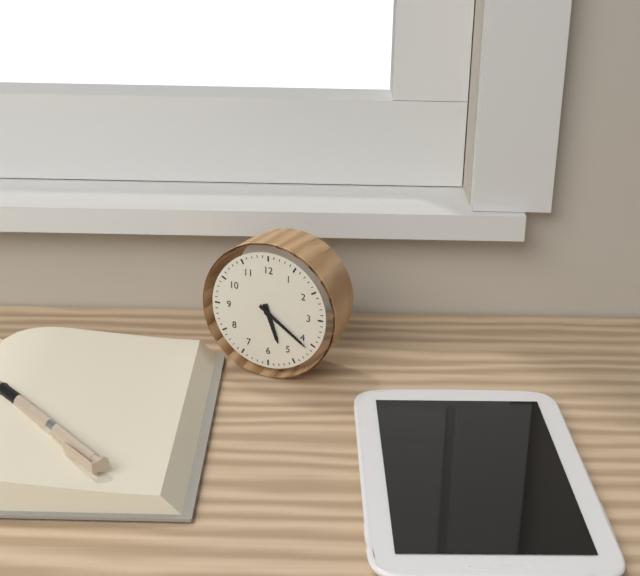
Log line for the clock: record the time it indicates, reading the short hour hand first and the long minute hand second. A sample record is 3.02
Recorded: 5.21
